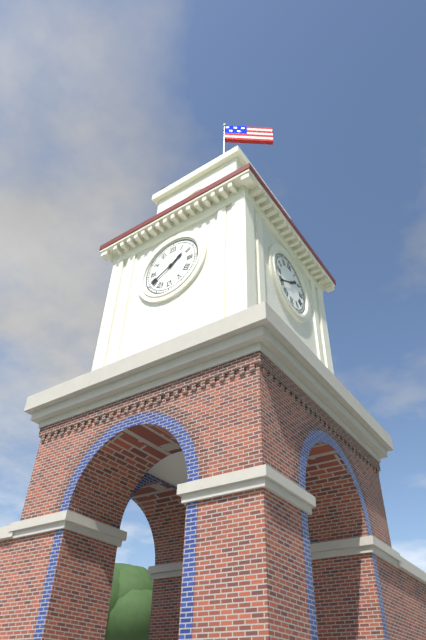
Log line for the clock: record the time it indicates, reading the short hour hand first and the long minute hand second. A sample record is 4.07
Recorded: 1.40
